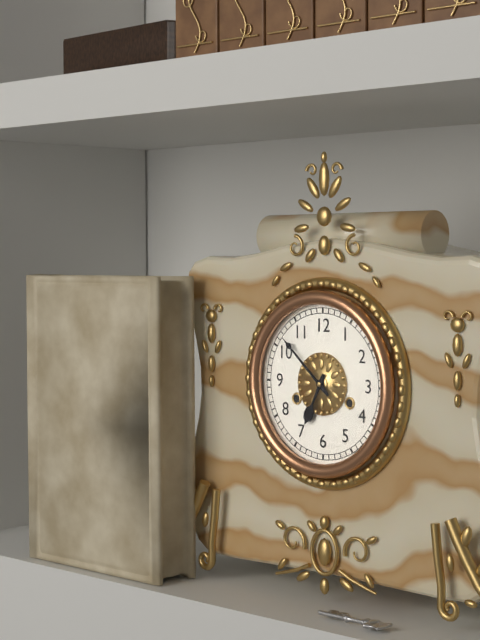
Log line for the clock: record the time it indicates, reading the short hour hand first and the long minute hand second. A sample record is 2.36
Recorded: 6.52
